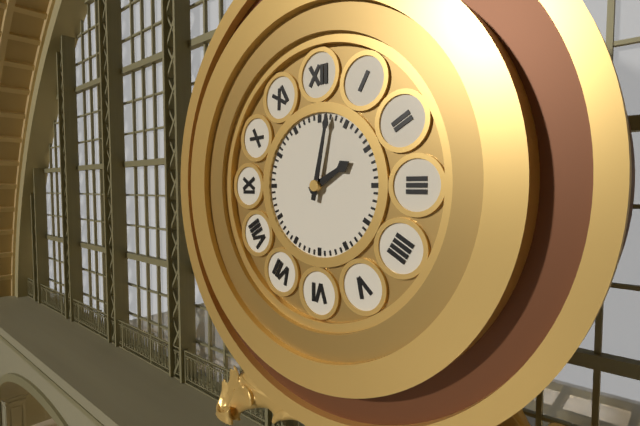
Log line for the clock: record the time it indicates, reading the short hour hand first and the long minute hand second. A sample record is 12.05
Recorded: 2.02
